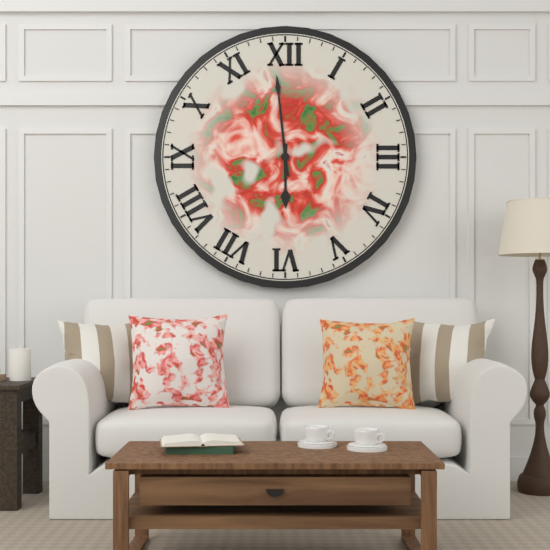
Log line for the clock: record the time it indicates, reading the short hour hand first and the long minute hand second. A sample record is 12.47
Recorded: 5.59
